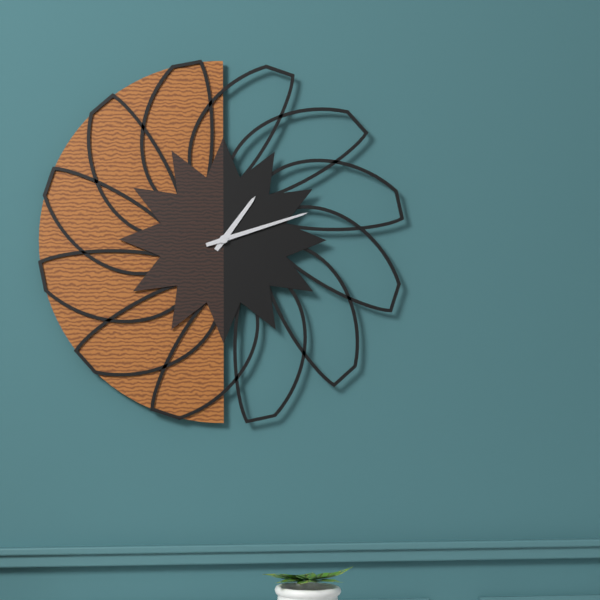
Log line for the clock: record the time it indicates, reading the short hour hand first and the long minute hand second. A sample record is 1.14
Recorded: 1.12
